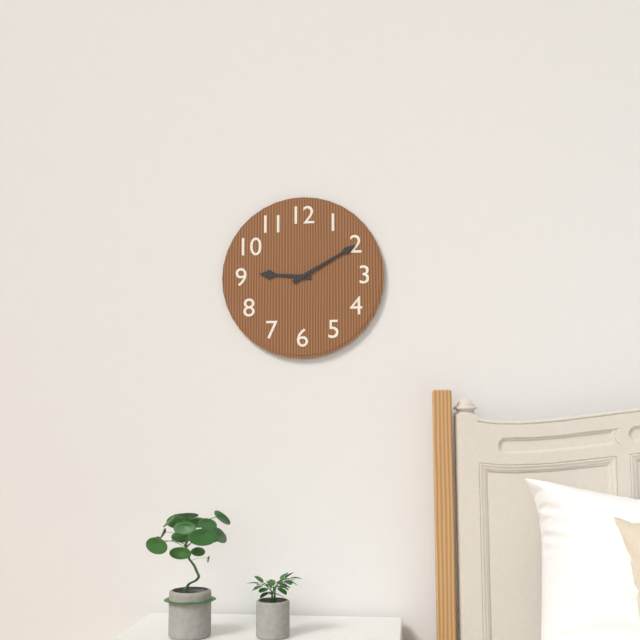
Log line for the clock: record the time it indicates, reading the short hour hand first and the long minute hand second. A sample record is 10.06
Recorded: 9.10
